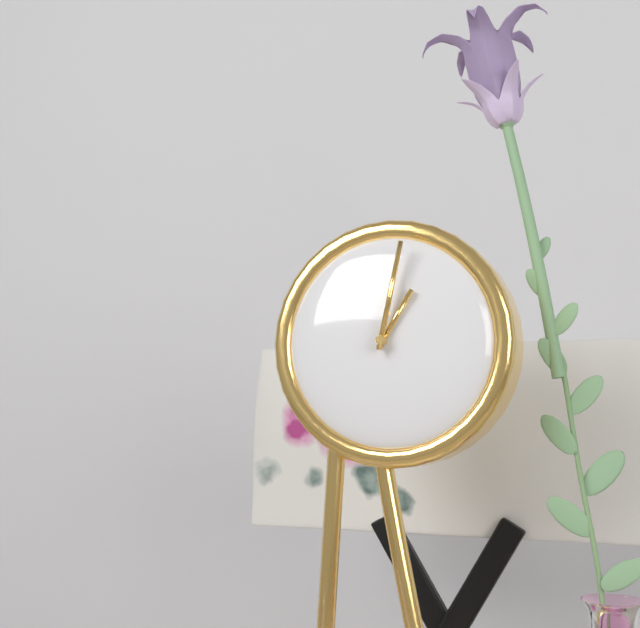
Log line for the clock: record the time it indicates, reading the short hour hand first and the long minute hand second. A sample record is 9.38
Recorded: 1.02
